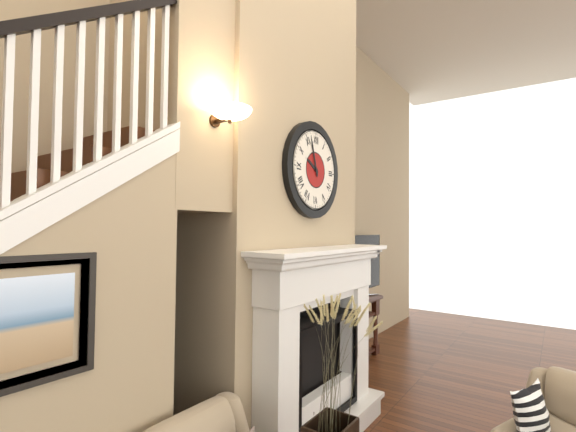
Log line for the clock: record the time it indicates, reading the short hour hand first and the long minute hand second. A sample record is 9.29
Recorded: 9.57
